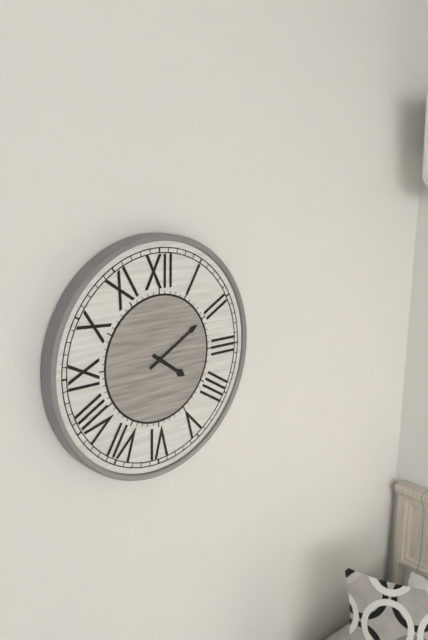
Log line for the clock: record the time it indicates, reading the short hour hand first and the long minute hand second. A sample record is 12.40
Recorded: 4.10
